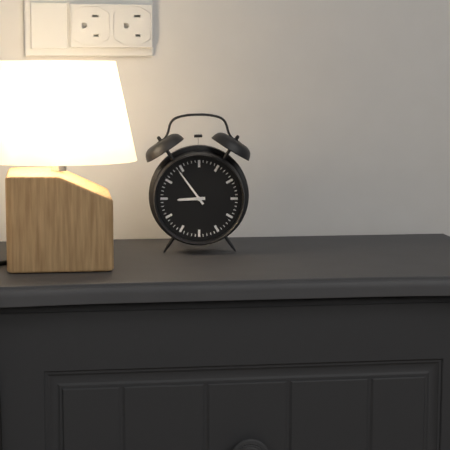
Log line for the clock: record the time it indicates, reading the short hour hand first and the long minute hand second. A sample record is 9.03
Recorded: 8.54
